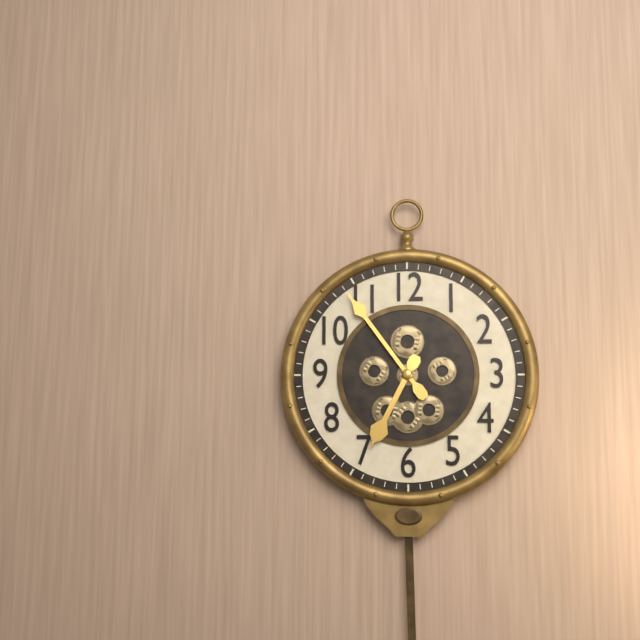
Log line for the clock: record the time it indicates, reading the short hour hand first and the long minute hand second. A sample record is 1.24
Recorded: 6.54
